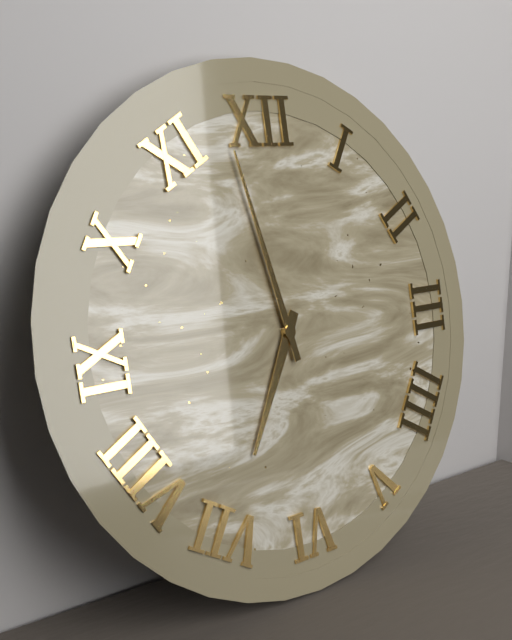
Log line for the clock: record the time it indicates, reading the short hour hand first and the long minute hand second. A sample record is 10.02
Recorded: 6.58
